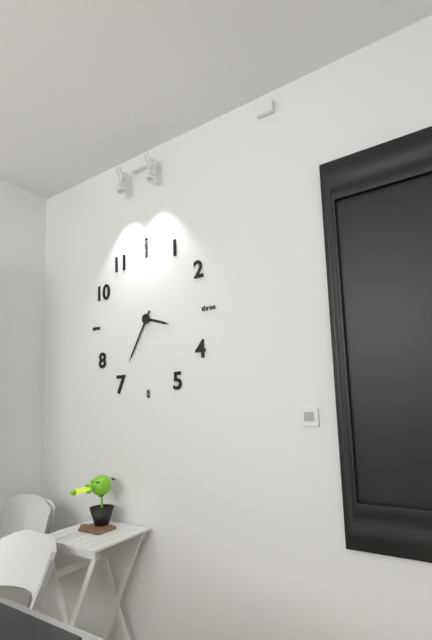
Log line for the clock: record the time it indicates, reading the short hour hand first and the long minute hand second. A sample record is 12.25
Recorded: 3.35
